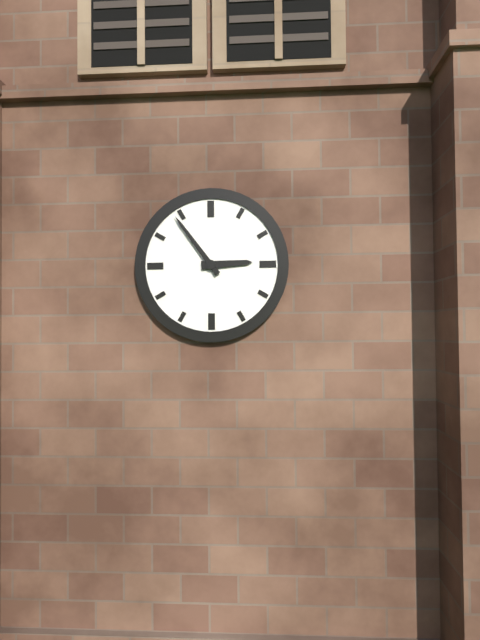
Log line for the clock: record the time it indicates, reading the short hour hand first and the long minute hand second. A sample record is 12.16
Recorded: 2.54
